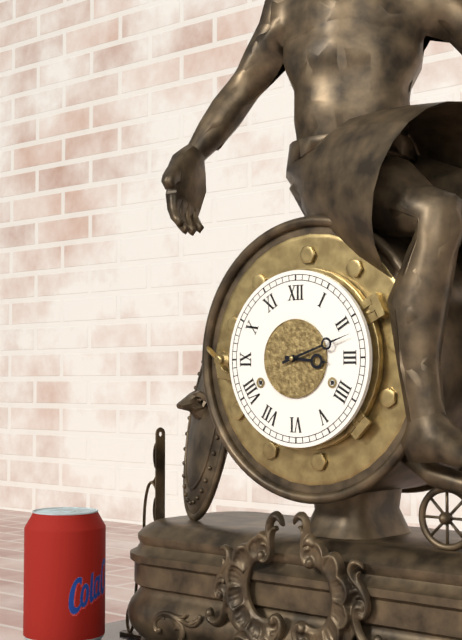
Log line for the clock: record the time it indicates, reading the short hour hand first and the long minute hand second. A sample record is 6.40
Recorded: 3.12
